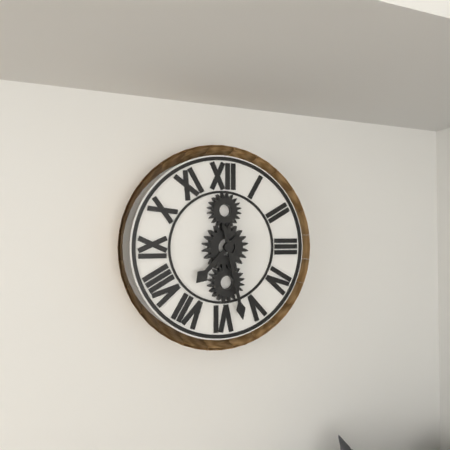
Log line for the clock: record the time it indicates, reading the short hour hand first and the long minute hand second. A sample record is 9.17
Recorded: 7.28
